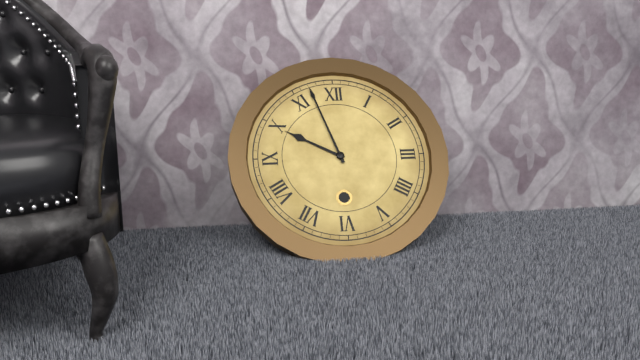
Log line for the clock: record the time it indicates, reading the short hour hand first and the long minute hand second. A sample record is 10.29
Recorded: 9.57
